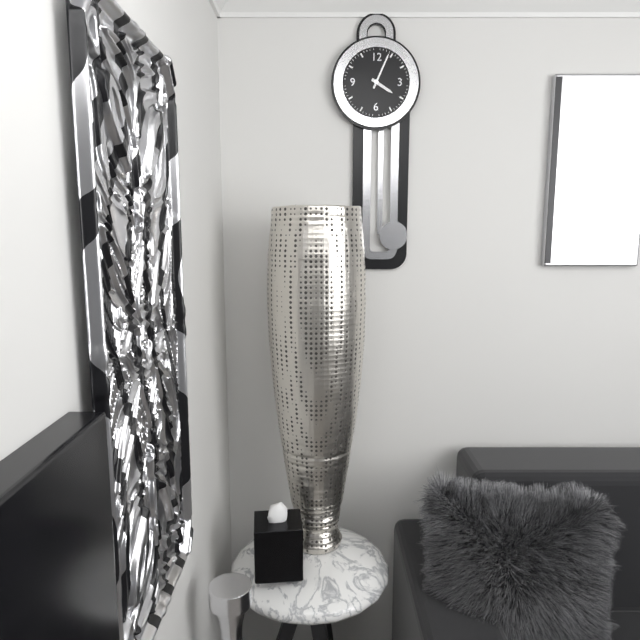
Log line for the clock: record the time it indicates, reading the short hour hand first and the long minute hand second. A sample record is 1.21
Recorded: 4.04
